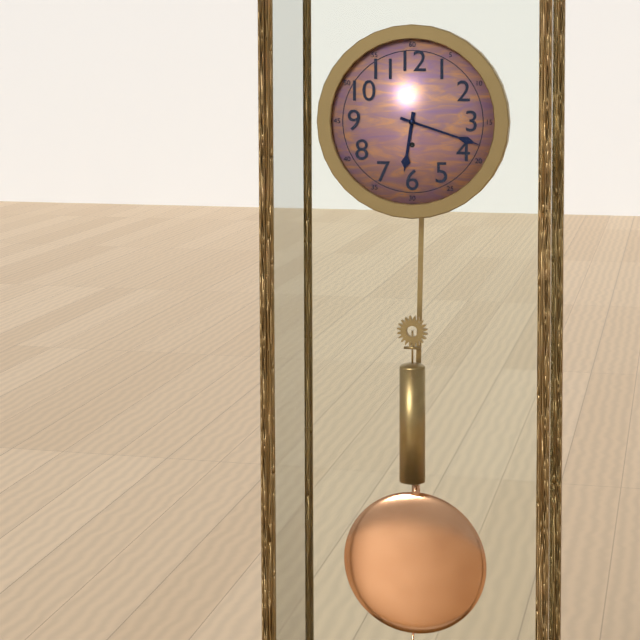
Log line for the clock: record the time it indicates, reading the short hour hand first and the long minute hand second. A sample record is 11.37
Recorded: 6.18
